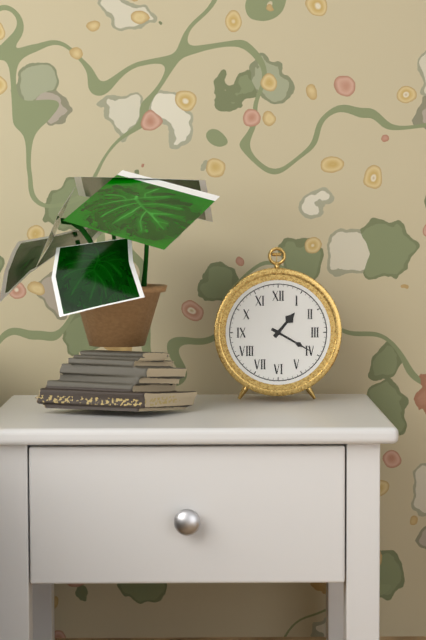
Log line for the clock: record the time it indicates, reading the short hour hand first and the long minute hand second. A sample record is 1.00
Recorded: 1.20
